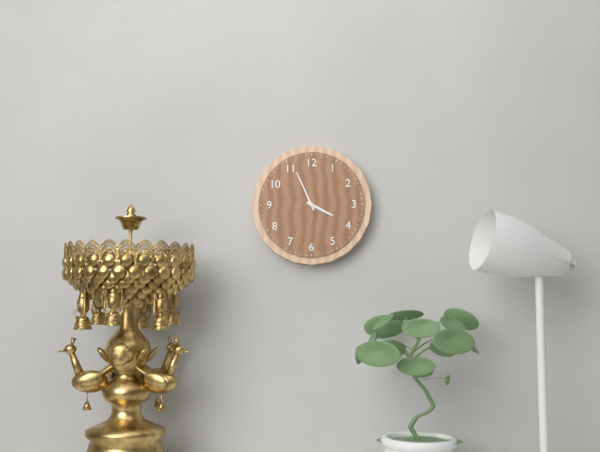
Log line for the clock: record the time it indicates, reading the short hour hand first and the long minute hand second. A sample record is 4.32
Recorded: 3.56
